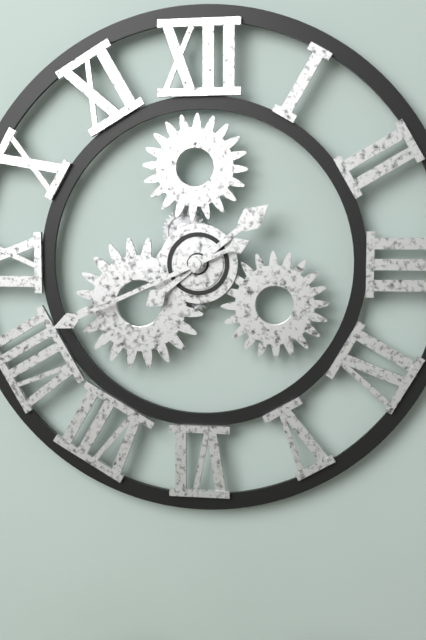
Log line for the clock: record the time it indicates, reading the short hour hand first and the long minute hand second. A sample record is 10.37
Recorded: 1.41
